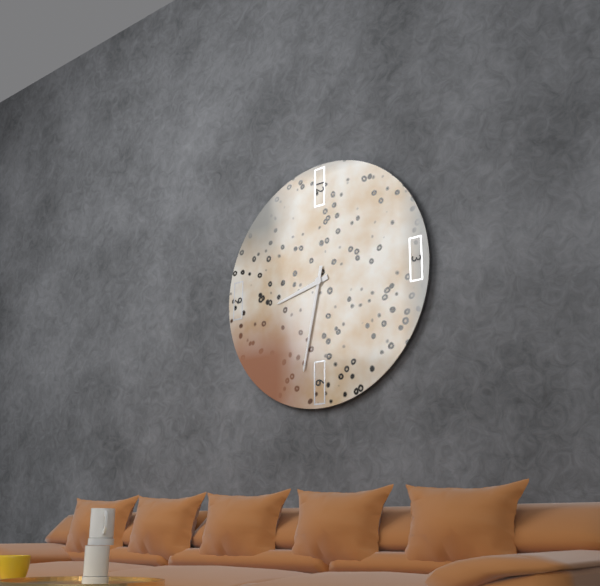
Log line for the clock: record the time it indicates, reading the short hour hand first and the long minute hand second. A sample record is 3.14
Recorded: 8.32
